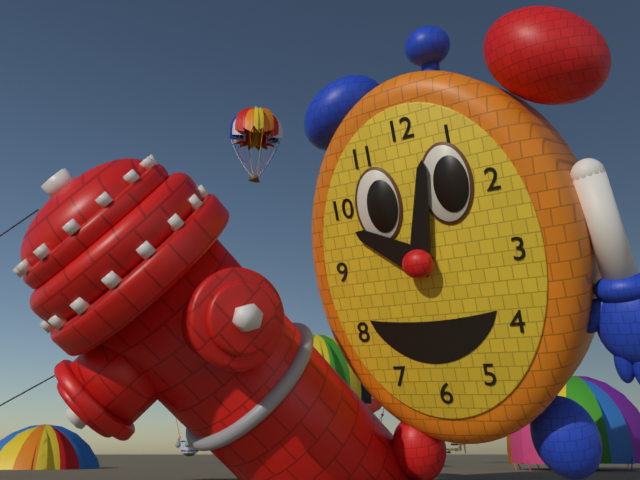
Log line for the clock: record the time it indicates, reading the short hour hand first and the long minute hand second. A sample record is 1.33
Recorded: 10.02
